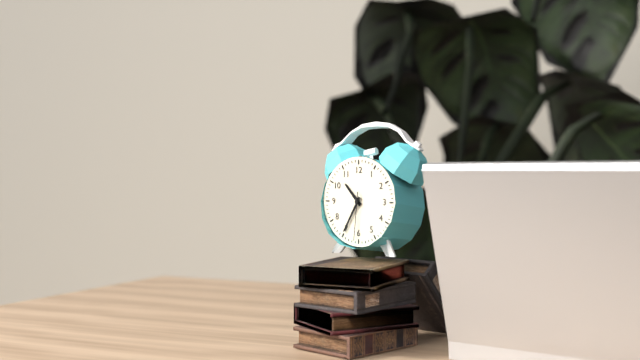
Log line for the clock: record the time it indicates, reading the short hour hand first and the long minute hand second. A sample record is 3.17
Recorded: 10.35
